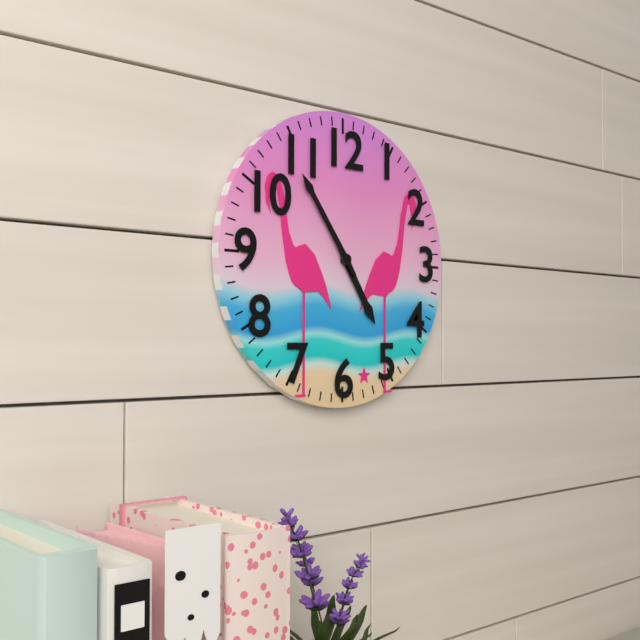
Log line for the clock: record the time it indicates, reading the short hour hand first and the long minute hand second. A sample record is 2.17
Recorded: 4.54
